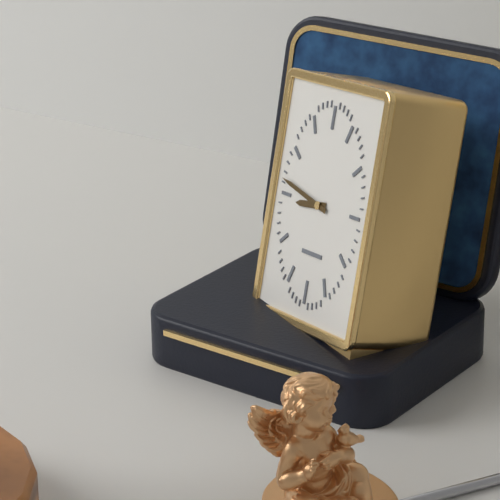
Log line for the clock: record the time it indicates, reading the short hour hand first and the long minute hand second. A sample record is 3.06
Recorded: 8.47
